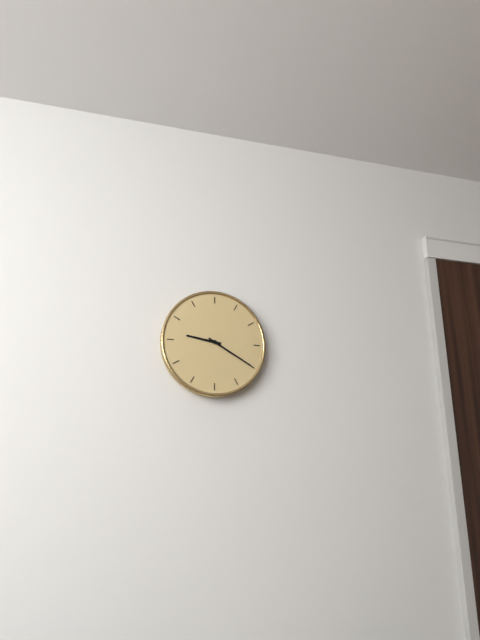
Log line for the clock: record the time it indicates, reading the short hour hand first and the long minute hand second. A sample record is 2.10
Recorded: 9.20
